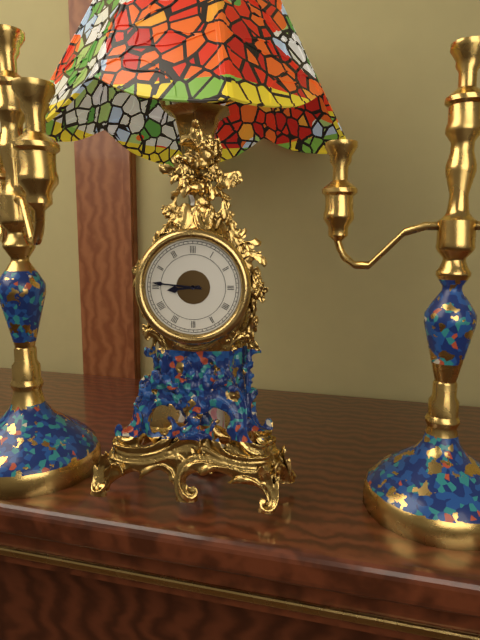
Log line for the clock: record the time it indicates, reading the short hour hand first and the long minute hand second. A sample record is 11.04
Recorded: 8.46
